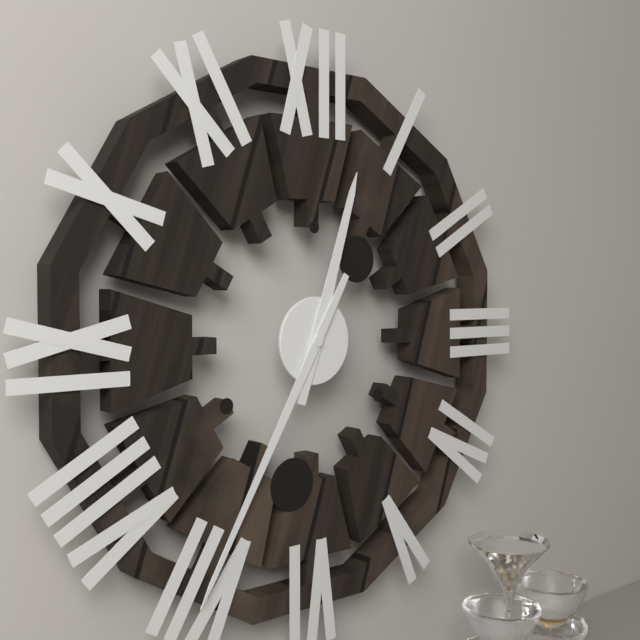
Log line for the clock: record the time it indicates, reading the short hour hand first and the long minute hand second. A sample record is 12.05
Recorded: 12.35
